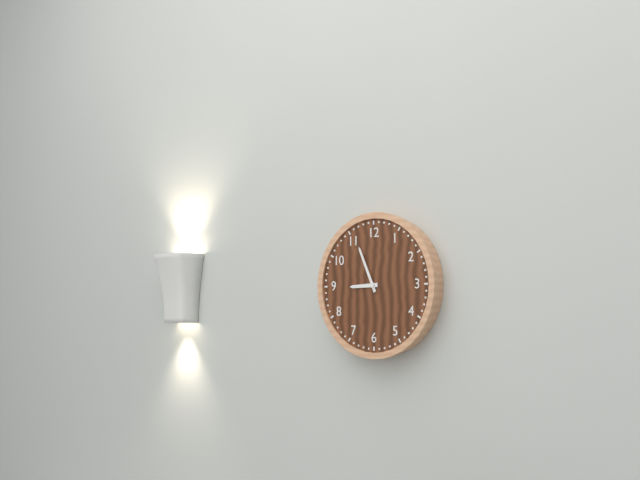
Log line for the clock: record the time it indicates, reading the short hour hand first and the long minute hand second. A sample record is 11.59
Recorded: 8.56
